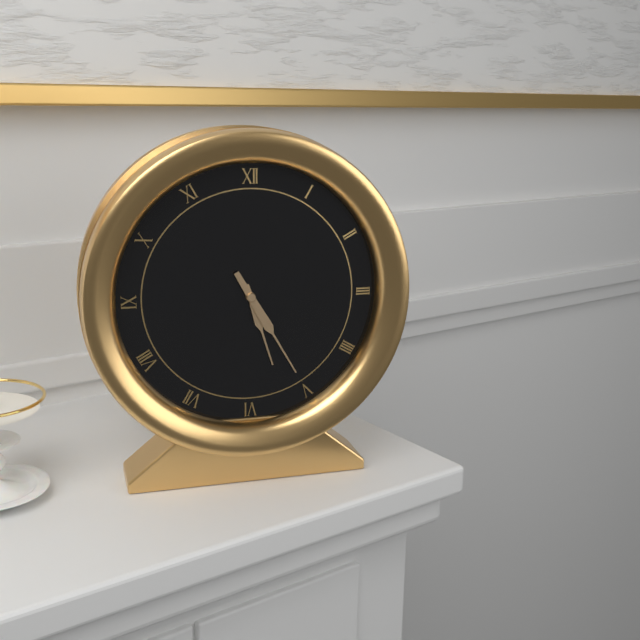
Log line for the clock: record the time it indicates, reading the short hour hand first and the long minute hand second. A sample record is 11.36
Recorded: 5.25
